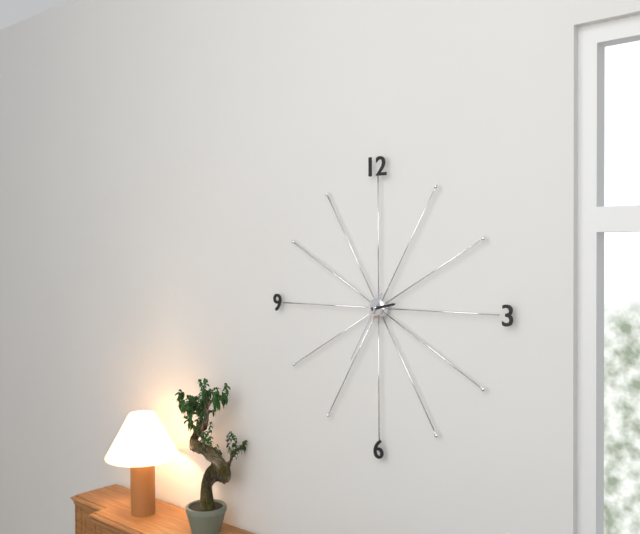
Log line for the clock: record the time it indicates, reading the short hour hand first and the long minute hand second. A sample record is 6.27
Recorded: 2.35
